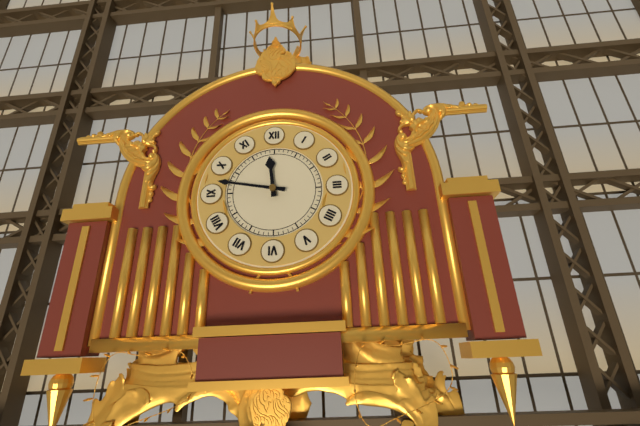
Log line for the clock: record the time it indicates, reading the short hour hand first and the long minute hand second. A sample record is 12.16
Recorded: 11.47
